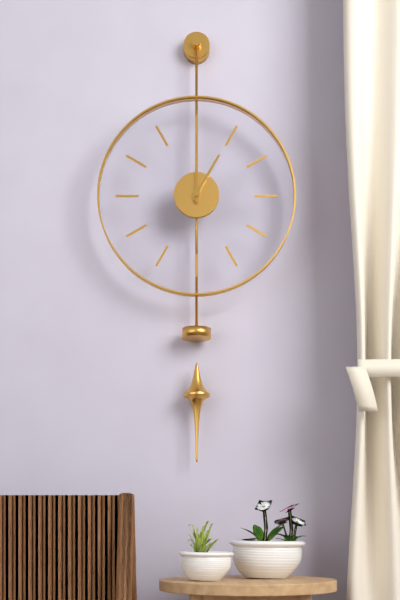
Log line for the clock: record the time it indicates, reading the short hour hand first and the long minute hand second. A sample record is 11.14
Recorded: 1.00
